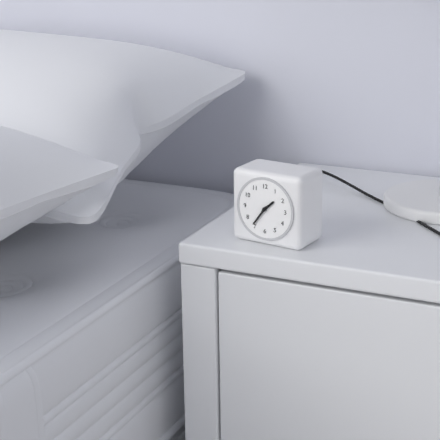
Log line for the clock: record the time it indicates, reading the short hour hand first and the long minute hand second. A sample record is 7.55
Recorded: 1.36
